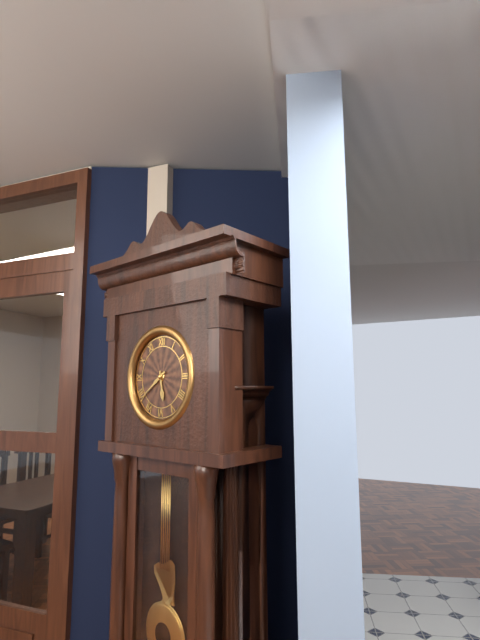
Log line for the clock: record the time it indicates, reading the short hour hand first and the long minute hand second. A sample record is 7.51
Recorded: 5.39
